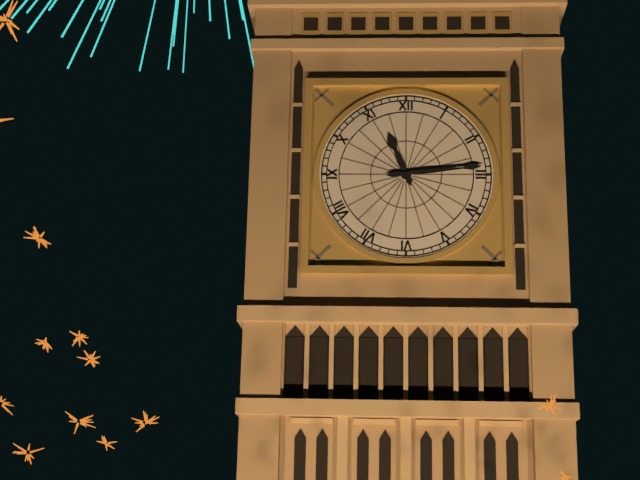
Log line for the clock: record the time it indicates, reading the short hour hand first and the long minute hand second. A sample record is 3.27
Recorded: 11.14
